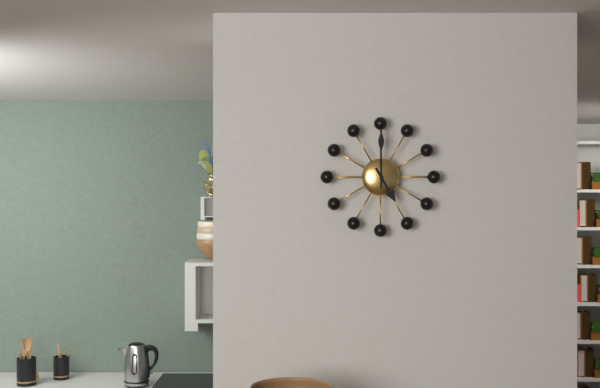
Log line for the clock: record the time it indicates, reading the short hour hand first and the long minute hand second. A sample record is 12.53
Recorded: 5.00
